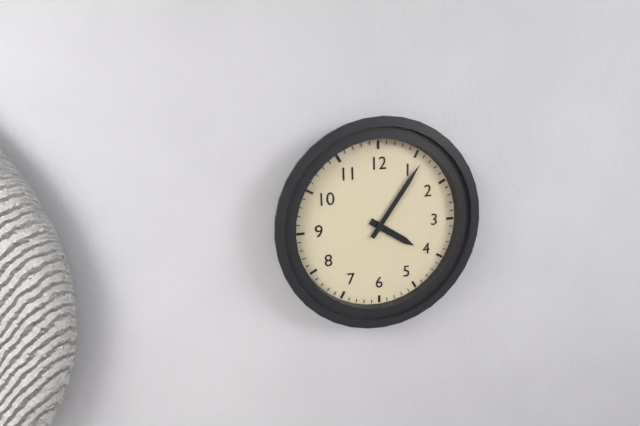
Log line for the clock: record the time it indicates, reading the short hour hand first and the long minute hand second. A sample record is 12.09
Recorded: 4.06
